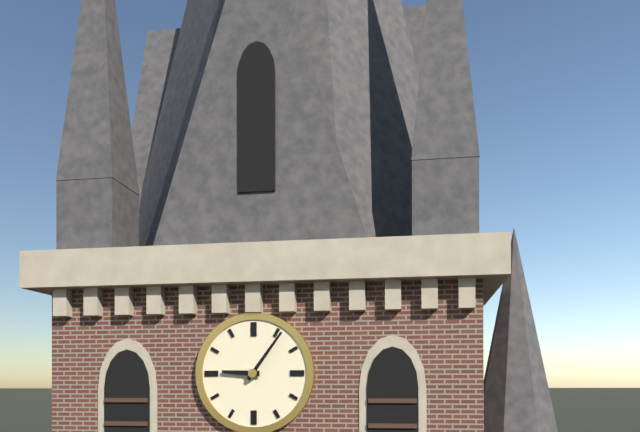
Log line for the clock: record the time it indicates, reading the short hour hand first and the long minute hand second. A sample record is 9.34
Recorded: 9.06
